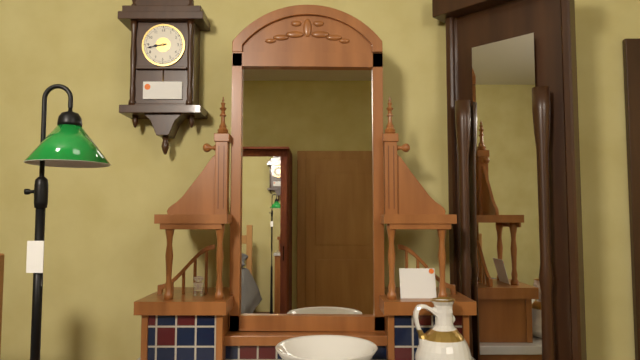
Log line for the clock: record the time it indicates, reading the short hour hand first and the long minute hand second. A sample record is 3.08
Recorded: 8.43
